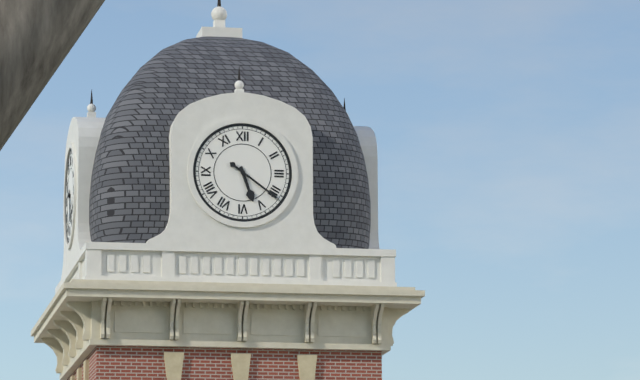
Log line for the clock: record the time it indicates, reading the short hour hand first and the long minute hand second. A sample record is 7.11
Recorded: 5.21
